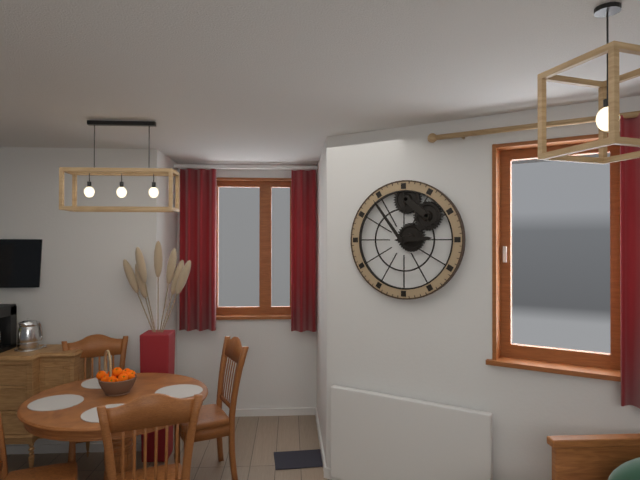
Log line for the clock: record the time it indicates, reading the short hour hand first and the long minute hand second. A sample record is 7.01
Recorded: 2.54
